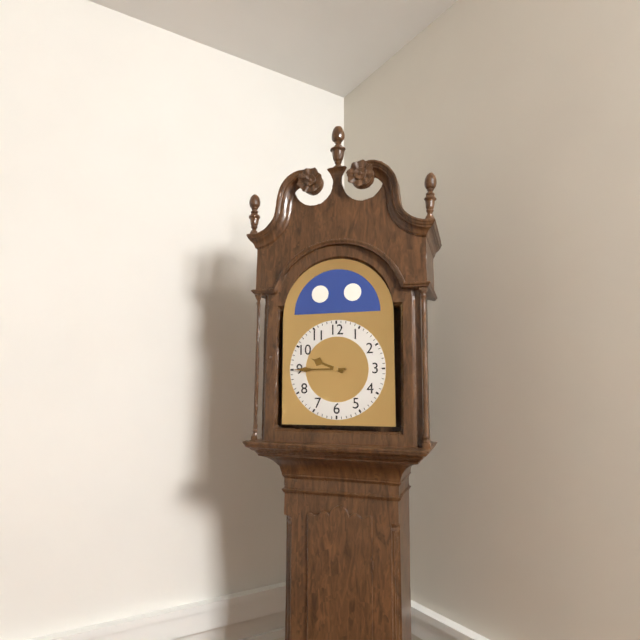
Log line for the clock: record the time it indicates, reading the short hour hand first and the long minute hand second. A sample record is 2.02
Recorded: 9.45
